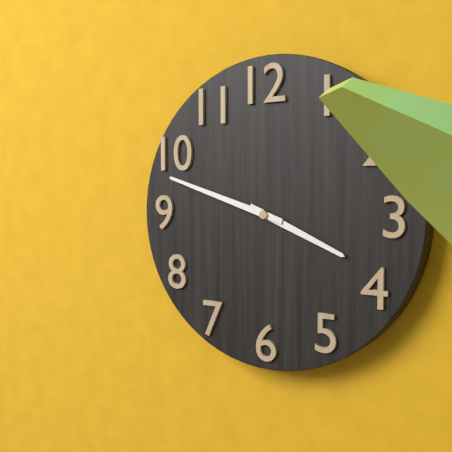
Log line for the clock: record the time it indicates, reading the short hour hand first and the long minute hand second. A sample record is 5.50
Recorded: 3.48
